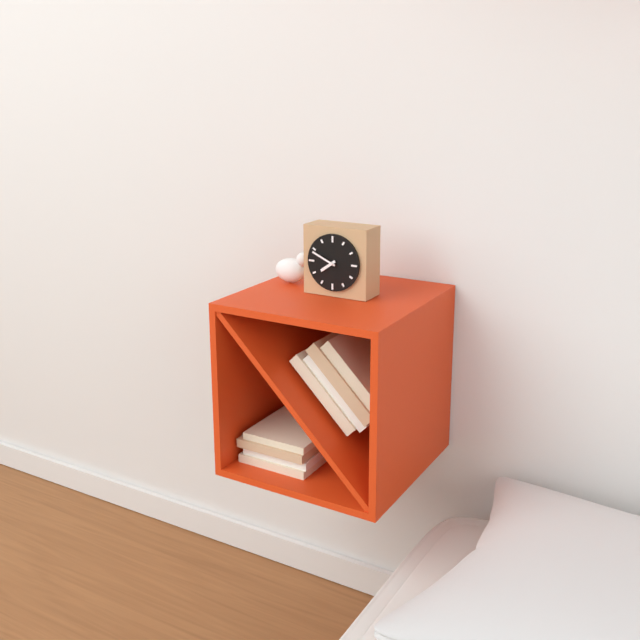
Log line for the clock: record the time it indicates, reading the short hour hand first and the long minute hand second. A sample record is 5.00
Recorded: 7.49
